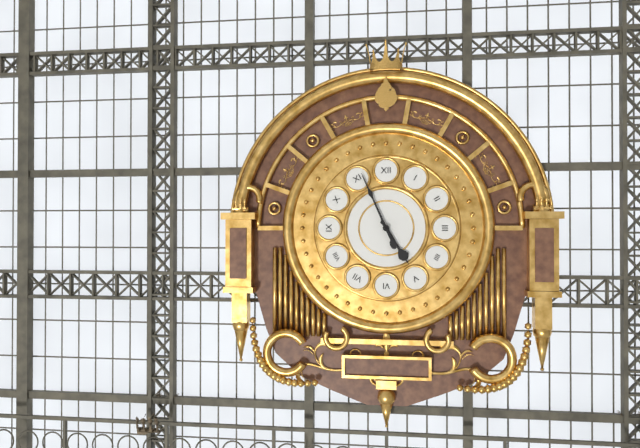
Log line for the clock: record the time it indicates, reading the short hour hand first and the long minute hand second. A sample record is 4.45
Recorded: 4.56
